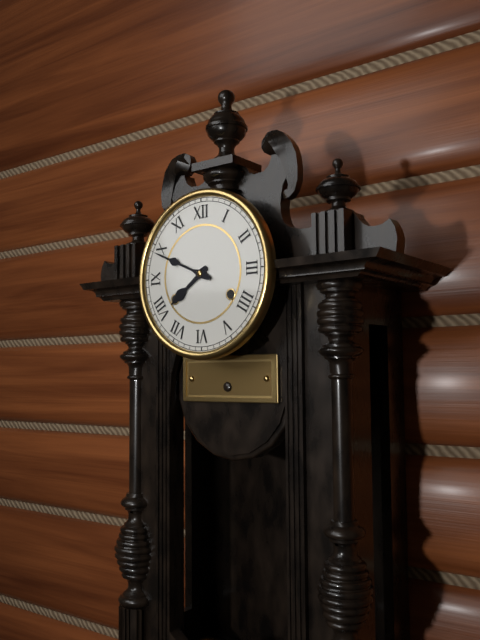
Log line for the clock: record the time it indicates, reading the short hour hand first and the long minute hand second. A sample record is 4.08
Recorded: 7.49
